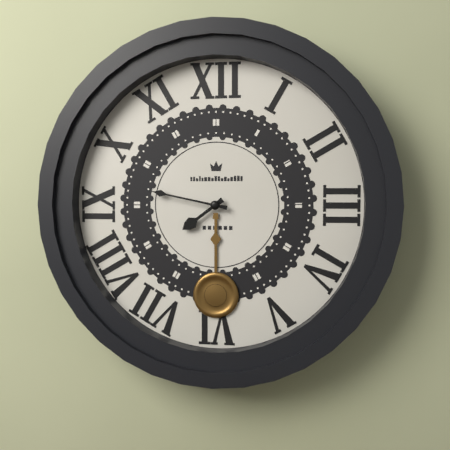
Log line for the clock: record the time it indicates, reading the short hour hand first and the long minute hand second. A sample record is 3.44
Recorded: 7.47
